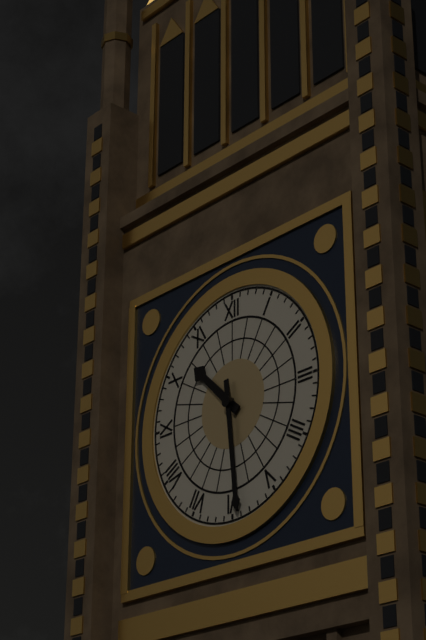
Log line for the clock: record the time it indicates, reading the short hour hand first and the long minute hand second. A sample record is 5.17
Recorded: 10.29
